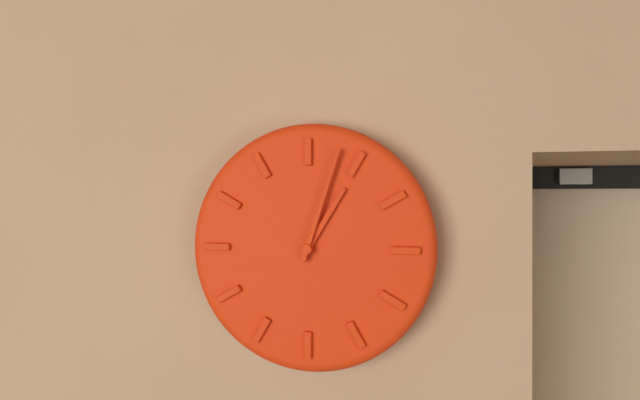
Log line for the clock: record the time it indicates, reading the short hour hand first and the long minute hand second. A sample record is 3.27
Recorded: 1.03
